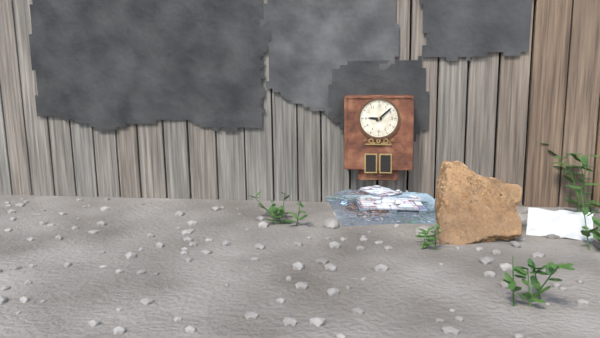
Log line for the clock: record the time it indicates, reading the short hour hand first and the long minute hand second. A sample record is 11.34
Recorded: 9.08
